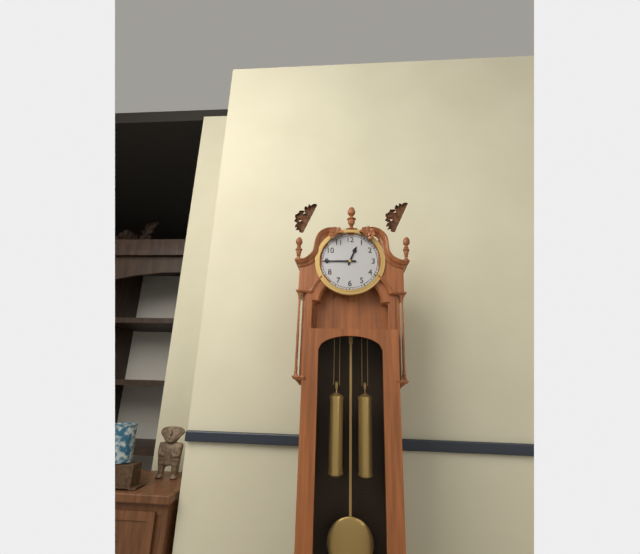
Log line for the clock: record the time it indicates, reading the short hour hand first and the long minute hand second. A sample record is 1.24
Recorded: 12.45
